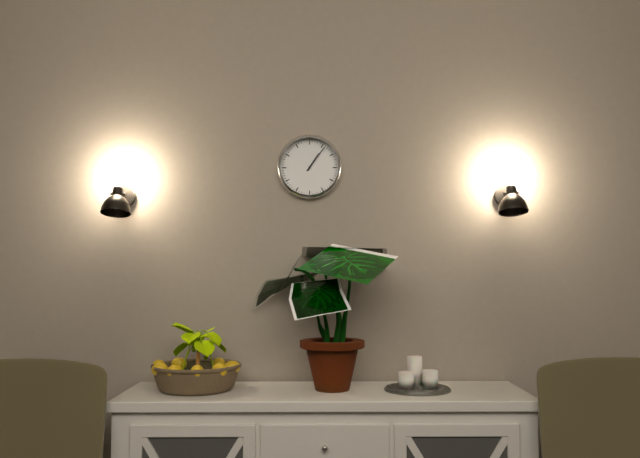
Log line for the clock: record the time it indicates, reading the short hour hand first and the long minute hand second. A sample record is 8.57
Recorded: 1.06
